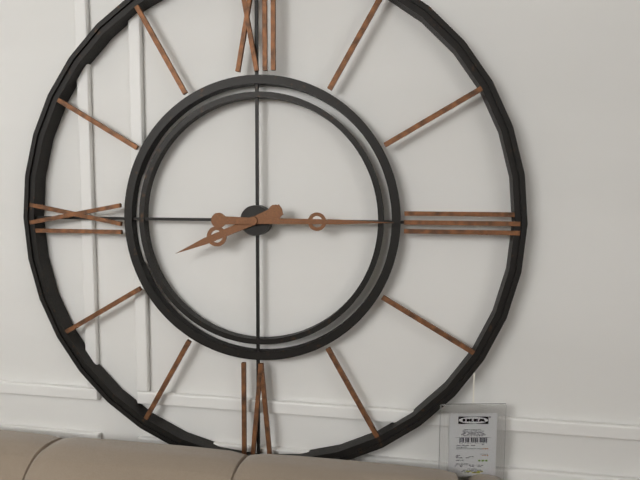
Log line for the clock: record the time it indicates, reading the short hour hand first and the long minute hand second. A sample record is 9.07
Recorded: 8.15
